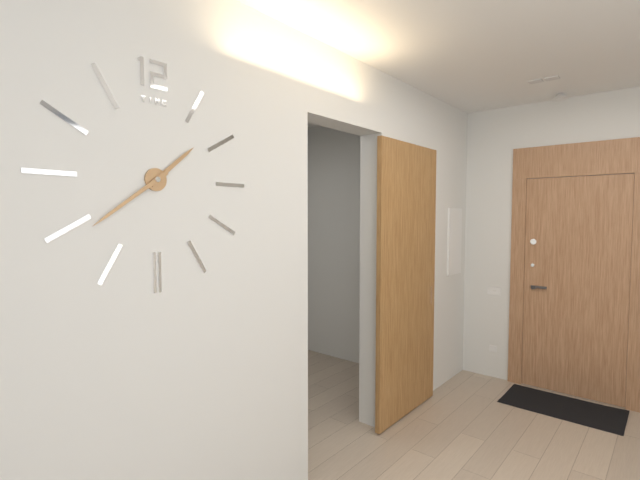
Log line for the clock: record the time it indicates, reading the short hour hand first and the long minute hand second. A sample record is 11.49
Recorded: 1.39
